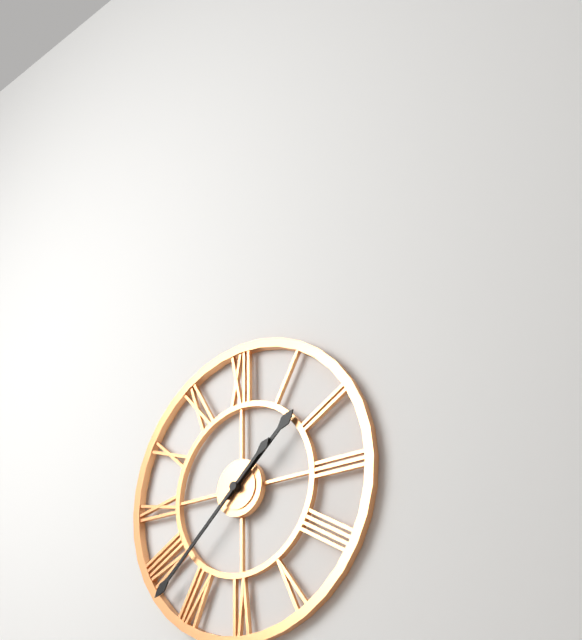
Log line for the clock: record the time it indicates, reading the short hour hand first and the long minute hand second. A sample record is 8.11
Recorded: 1.38
